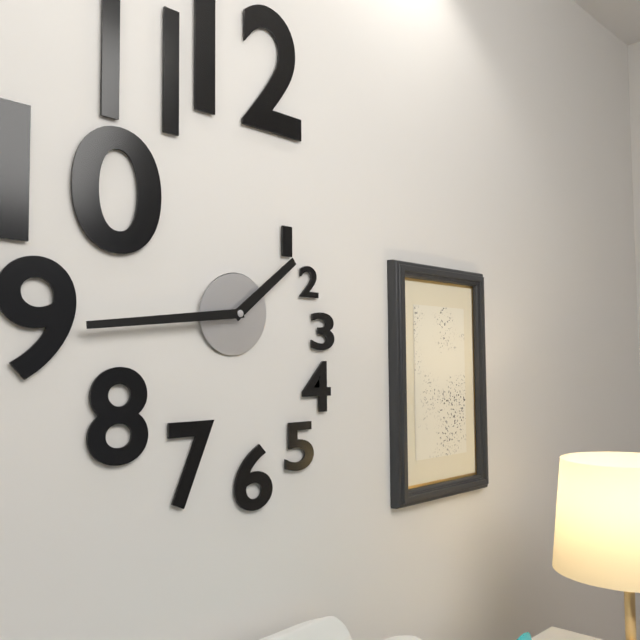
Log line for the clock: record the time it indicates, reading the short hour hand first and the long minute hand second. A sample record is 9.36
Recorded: 1.44
